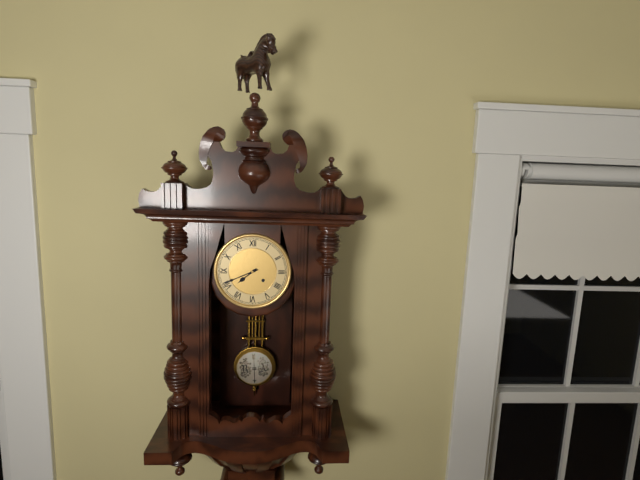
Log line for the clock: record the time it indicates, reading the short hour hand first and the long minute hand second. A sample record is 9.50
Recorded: 7.41
